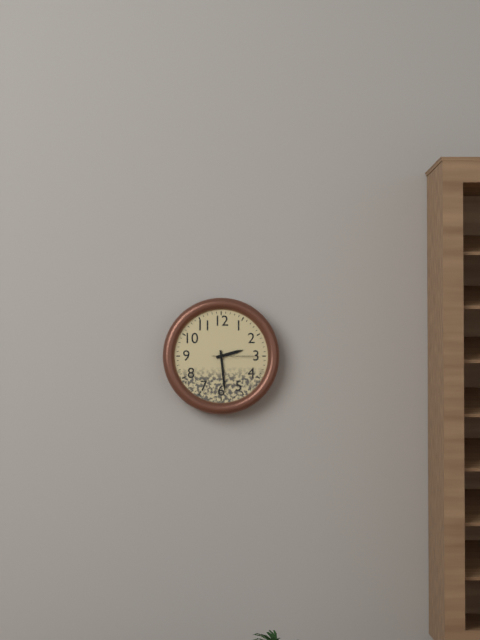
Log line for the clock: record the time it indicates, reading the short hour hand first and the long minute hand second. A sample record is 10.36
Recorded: 2.29
